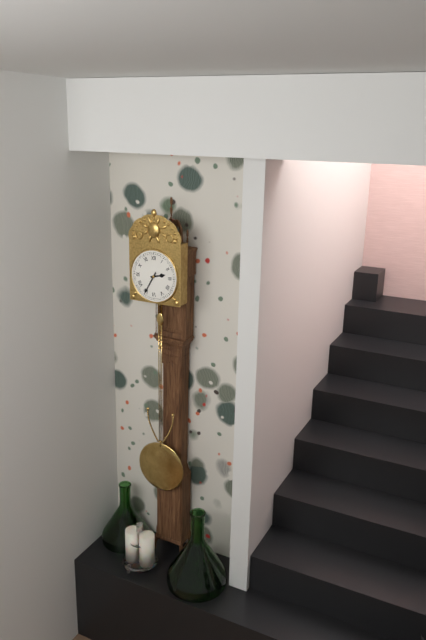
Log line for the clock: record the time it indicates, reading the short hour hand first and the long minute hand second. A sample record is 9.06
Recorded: 2.35
